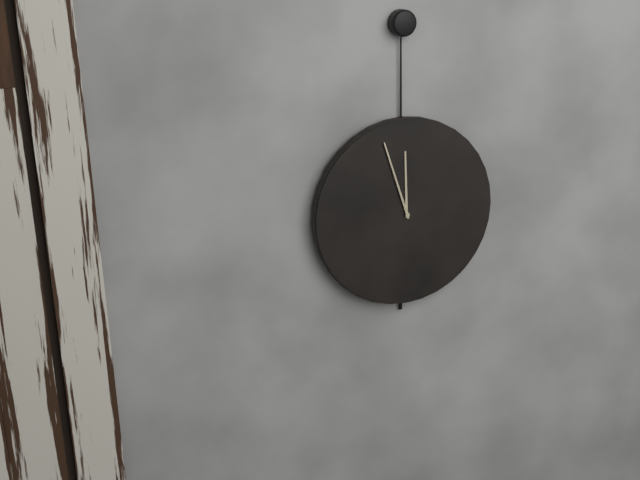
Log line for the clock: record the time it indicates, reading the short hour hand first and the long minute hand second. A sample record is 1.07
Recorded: 11.57
